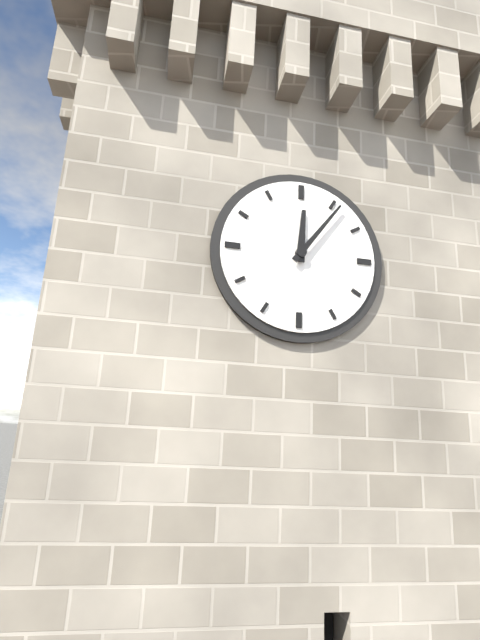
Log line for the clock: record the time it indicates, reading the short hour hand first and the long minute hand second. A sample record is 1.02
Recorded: 12.06
